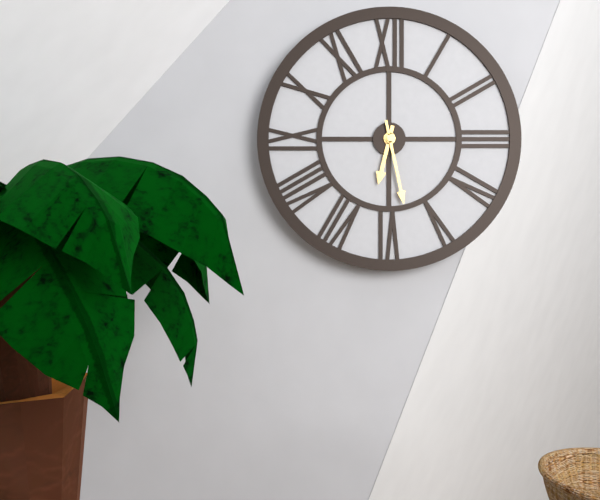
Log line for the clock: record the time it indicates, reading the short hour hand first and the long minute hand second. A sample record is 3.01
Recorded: 6.28
